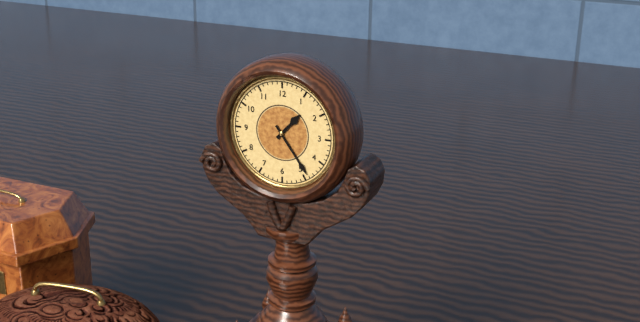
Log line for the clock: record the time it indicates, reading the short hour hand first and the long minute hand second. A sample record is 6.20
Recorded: 1.24
